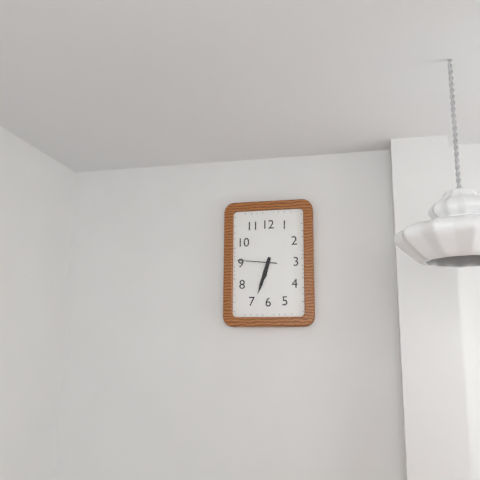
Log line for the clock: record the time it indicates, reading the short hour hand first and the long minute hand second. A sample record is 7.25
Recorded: 6.33
